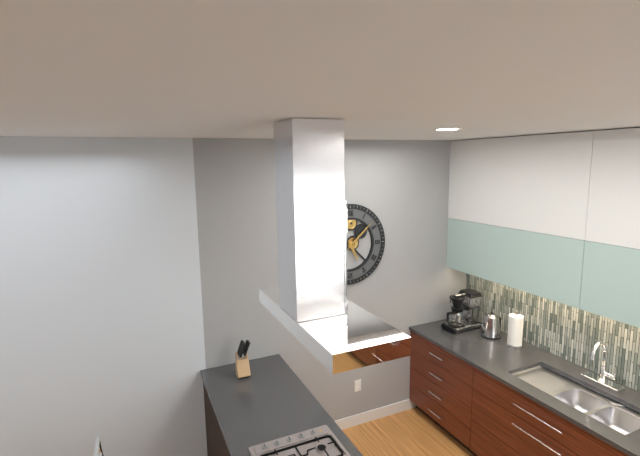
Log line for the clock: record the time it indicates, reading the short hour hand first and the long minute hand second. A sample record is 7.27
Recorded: 5.08
